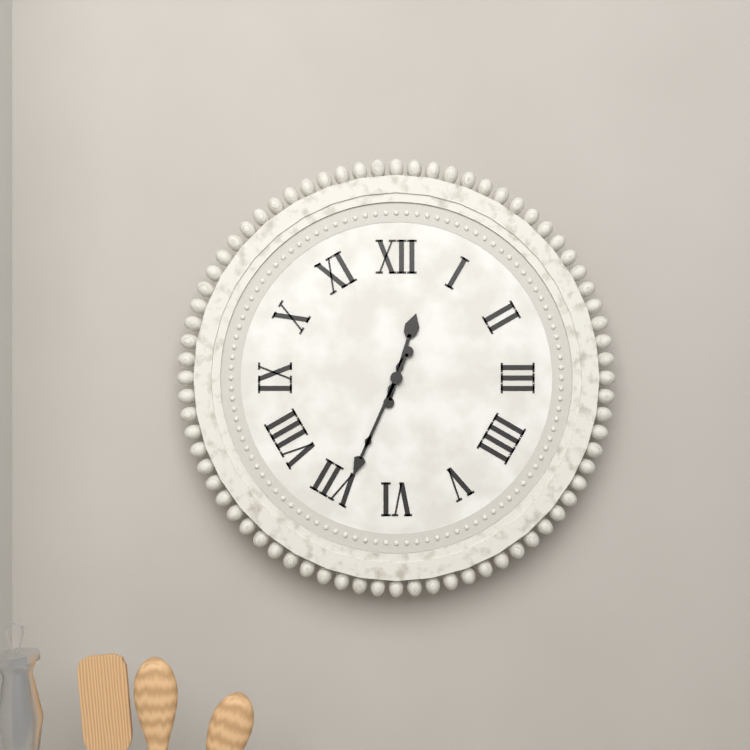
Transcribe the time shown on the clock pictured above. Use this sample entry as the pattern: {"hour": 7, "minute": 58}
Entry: {"hour": 12, "minute": 34}
